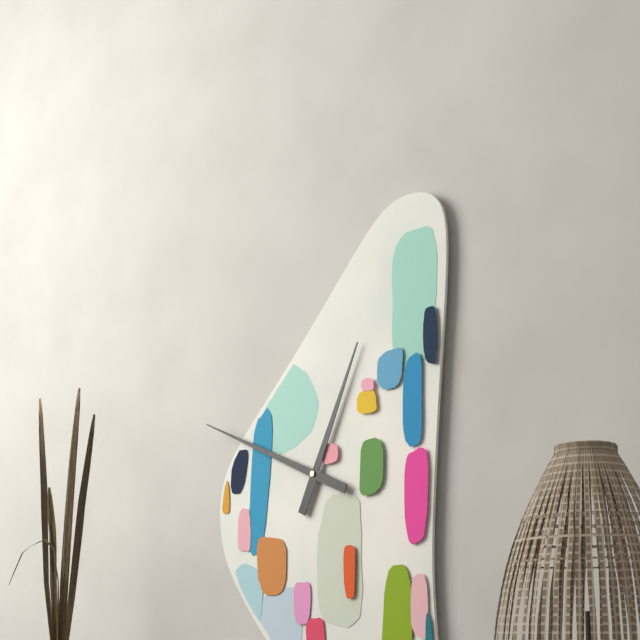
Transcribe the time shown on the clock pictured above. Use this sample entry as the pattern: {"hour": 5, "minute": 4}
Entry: {"hour": 12, "minute": 49}
